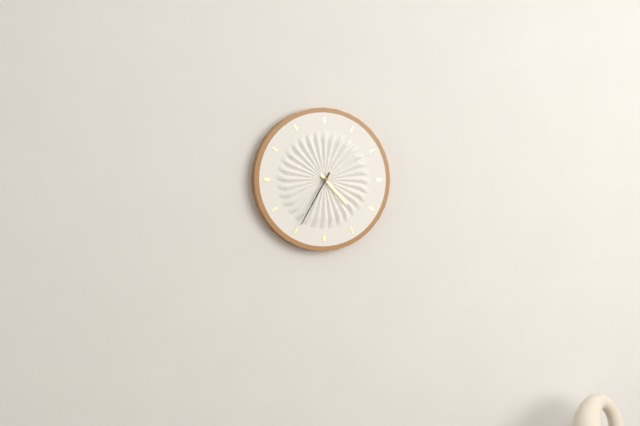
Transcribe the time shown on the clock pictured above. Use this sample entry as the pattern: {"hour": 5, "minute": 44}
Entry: {"hour": 4, "minute": 35}
